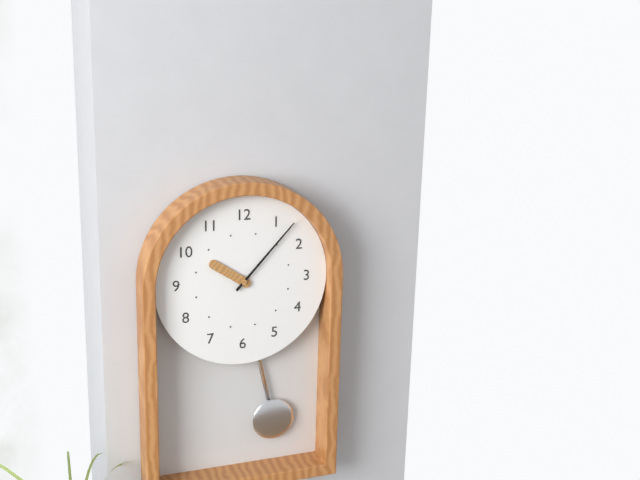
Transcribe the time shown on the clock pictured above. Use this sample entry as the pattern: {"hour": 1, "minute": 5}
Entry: {"hour": 10, "minute": 7}
